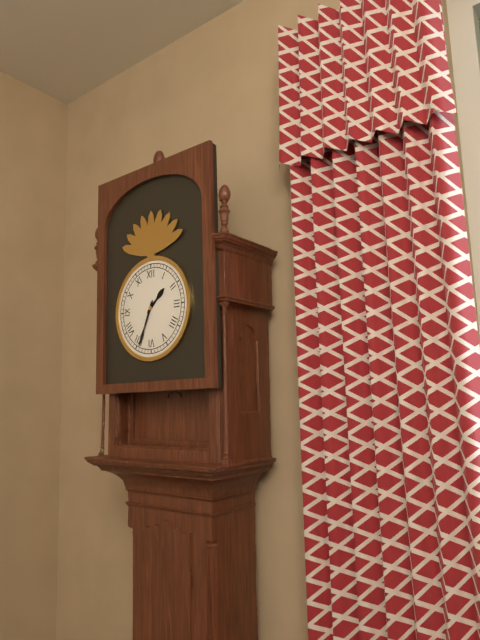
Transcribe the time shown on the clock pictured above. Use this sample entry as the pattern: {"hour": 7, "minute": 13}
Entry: {"hour": 1, "minute": 34}
